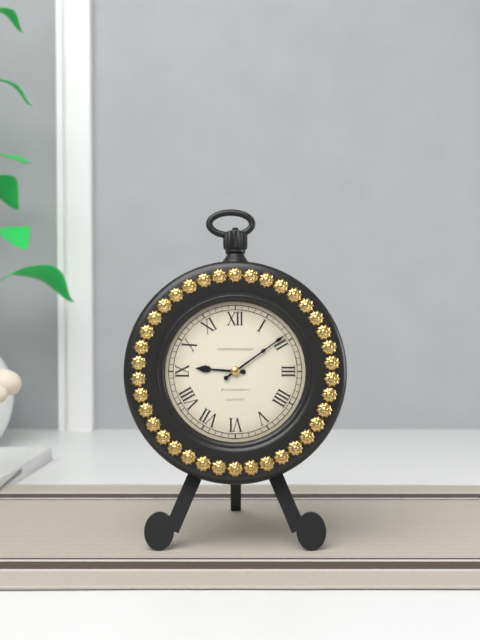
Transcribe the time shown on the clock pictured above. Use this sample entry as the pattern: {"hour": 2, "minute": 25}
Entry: {"hour": 9, "minute": 9}
